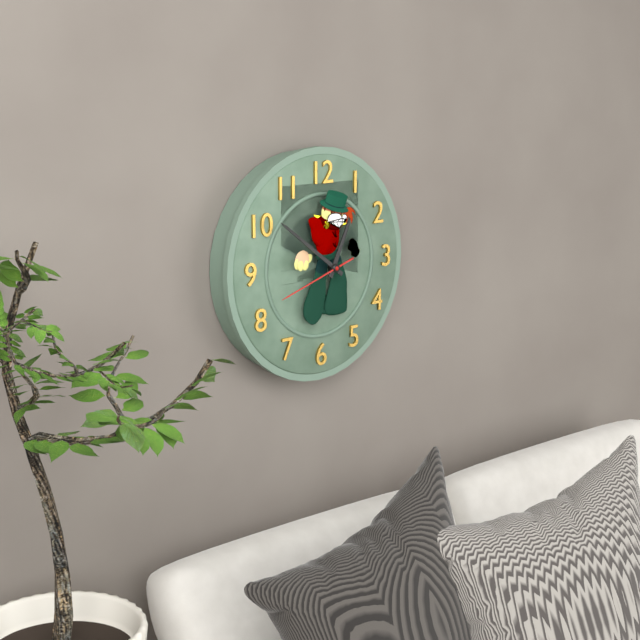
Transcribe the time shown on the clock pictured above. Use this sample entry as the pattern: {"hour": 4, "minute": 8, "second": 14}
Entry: {"hour": 12, "minute": 51, "second": 42}
